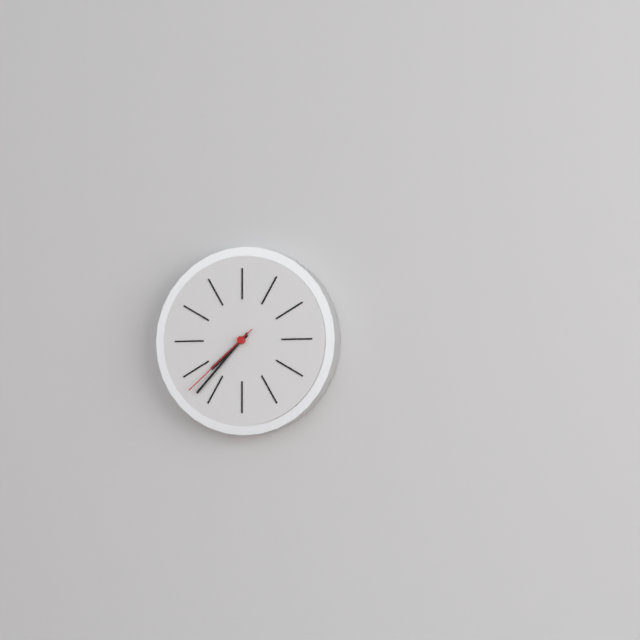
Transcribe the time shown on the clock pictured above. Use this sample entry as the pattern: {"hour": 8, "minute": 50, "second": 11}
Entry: {"hour": 7, "minute": 37, "second": 38}
